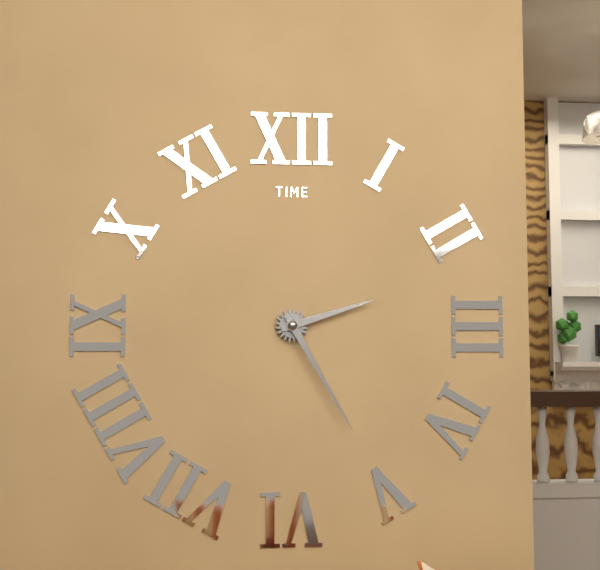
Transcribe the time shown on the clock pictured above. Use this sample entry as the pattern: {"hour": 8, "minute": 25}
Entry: {"hour": 2, "minute": 25}
